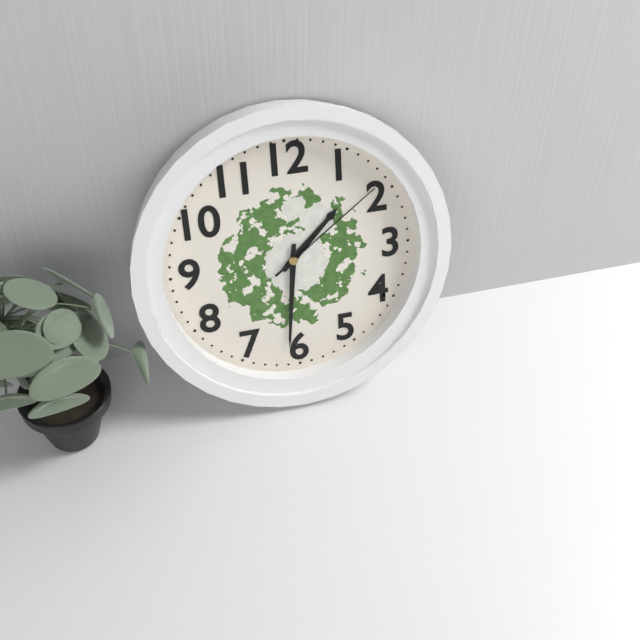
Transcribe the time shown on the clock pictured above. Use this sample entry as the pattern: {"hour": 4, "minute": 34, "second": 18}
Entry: {"hour": 1, "minute": 31, "second": 9}
